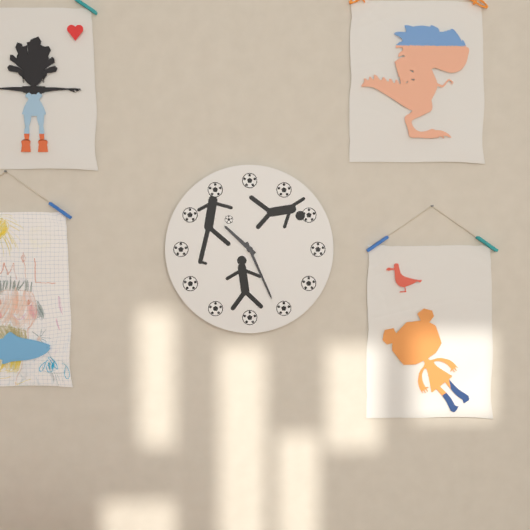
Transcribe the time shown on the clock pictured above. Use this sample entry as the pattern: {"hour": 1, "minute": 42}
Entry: {"hour": 10, "minute": 26}
